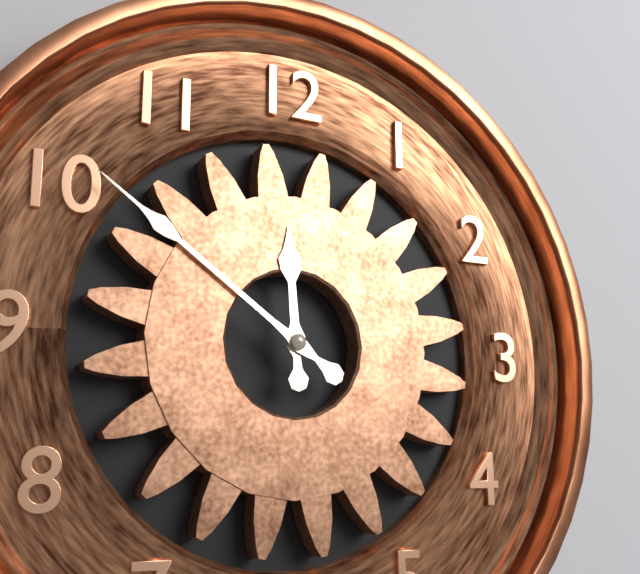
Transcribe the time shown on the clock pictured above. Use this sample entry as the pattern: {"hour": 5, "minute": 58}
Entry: {"hour": 11, "minute": 51}
